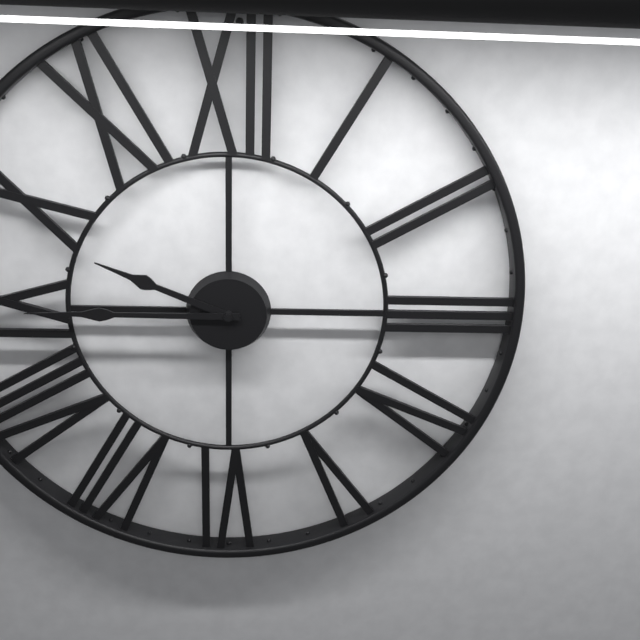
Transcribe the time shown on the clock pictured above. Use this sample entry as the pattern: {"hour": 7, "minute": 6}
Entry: {"hour": 9, "minute": 45}
